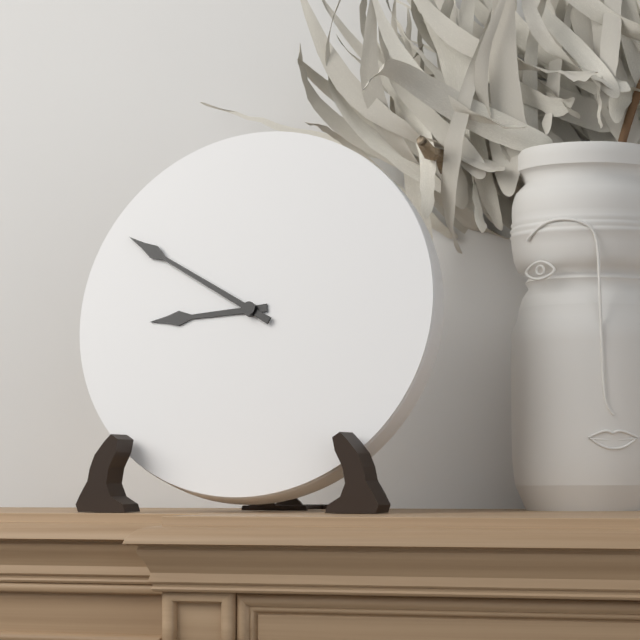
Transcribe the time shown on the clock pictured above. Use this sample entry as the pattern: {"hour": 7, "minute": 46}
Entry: {"hour": 8, "minute": 50}
